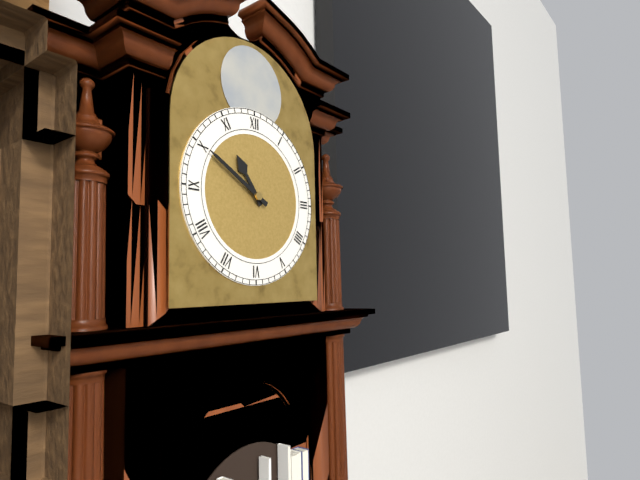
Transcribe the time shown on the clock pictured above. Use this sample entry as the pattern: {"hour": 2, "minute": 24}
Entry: {"hour": 10, "minute": 50}
